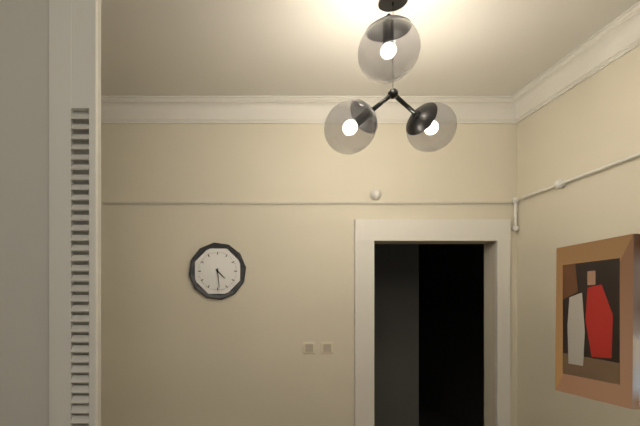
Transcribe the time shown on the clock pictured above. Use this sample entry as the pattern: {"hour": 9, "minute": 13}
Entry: {"hour": 4, "minute": 29}
